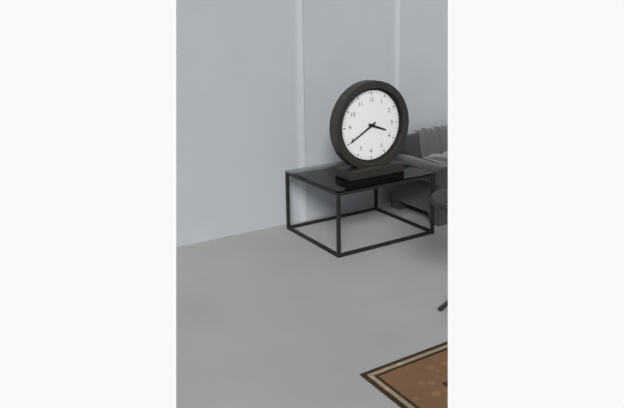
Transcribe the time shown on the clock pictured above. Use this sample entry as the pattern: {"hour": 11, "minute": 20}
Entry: {"hour": 3, "minute": 40}
